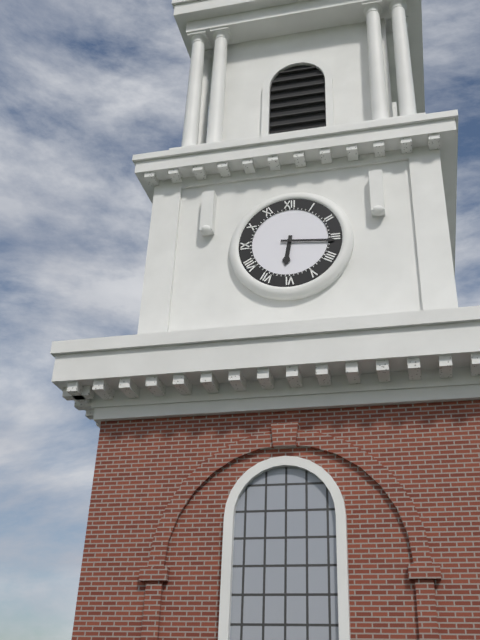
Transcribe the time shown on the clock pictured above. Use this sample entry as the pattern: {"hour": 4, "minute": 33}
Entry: {"hour": 6, "minute": 16}
